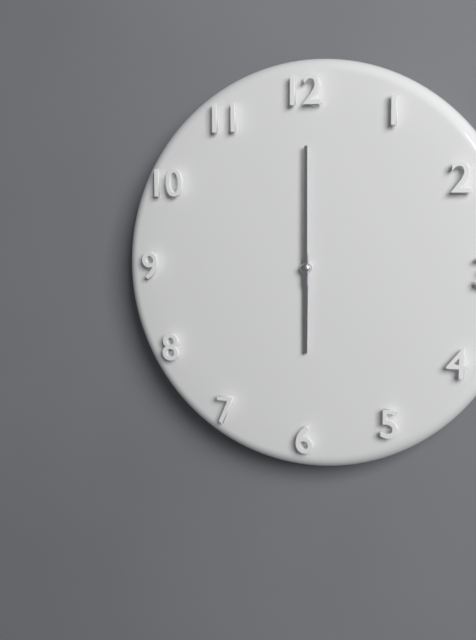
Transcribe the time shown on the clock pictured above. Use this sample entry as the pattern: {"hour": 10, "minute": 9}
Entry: {"hour": 6, "minute": 0}
